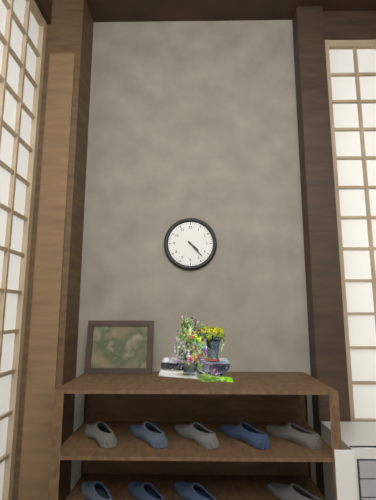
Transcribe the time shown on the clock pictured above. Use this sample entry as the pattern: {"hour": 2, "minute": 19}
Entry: {"hour": 4, "minute": 23}
